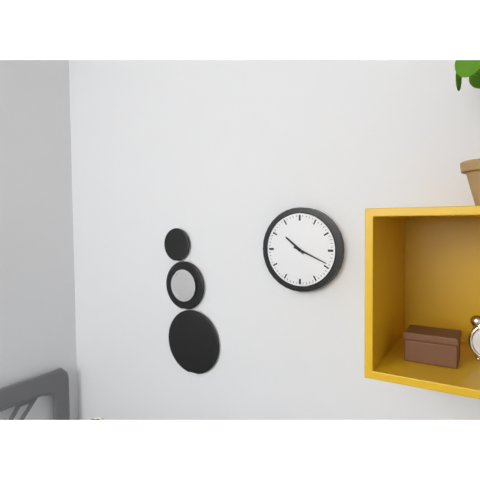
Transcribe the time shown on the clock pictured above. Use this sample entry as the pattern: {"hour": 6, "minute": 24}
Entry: {"hour": 10, "minute": 19}
